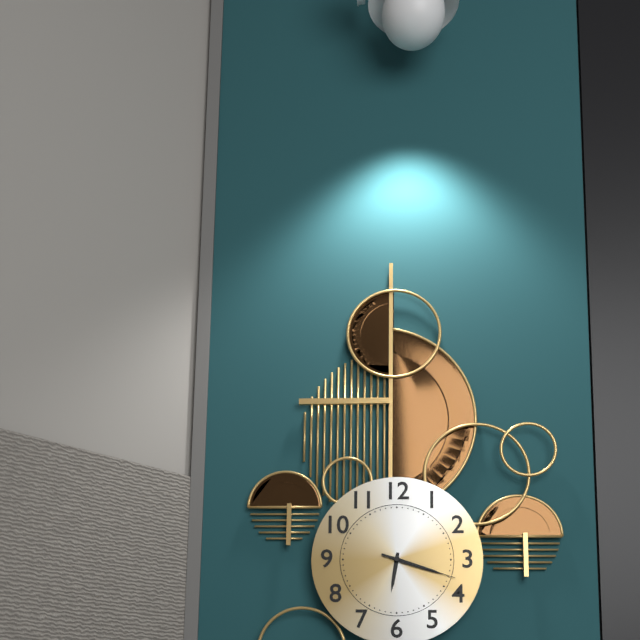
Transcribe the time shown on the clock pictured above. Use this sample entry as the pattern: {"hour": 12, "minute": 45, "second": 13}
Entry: {"hour": 6, "minute": 18, "second": 18}
